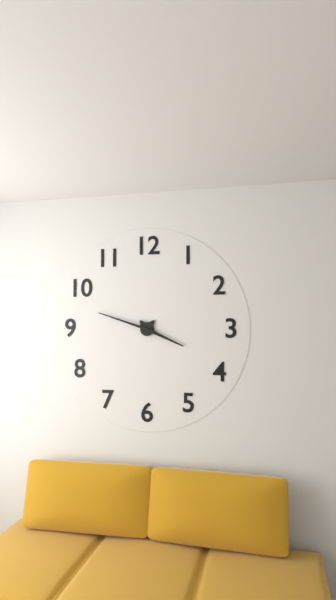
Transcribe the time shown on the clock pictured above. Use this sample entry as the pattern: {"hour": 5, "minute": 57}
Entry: {"hour": 3, "minute": 48}
